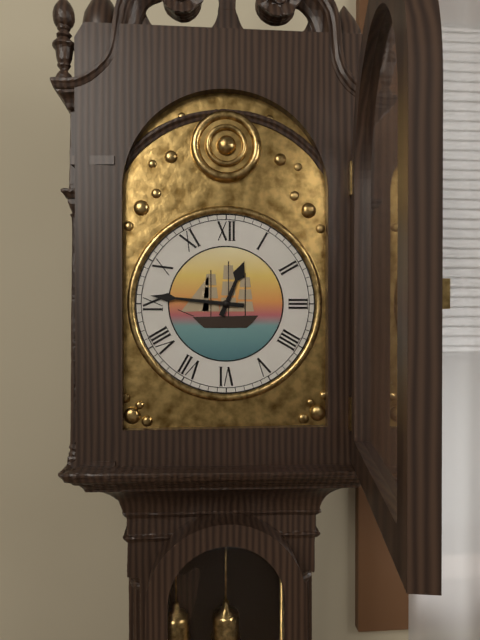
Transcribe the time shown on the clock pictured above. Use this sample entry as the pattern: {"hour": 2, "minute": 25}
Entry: {"hour": 12, "minute": 46}
